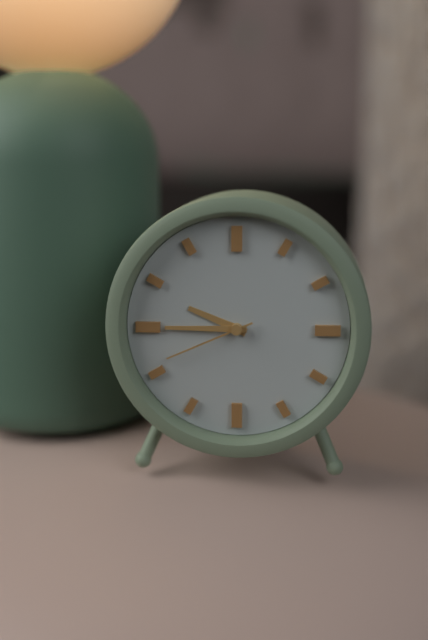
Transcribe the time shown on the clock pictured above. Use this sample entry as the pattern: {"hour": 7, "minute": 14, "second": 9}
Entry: {"hour": 9, "minute": 45, "second": 41}
